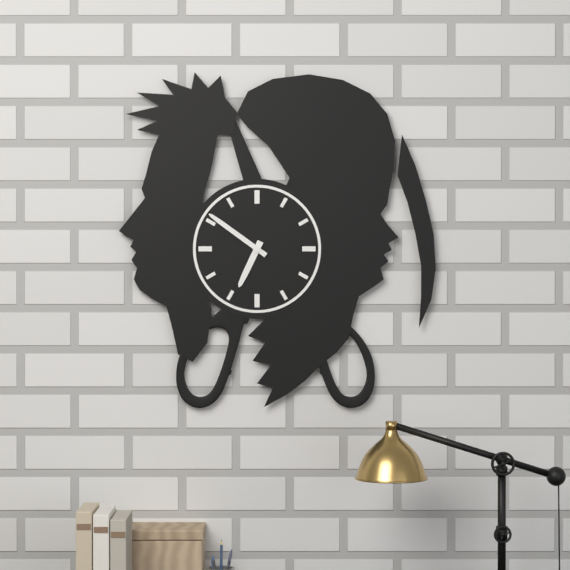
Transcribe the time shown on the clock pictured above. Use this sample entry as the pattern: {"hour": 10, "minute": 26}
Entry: {"hour": 6, "minute": 51}
